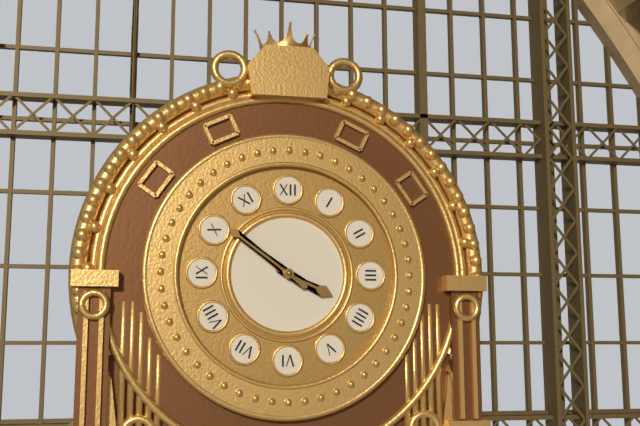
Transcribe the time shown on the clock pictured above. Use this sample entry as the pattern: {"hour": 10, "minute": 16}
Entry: {"hour": 3, "minute": 51}
